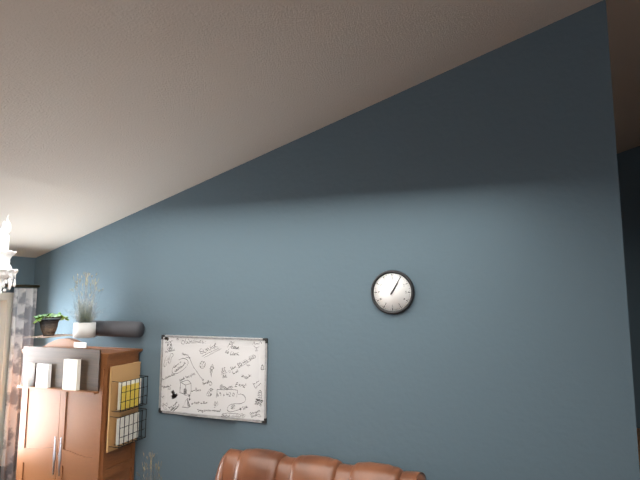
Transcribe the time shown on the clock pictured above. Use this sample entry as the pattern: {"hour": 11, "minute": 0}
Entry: {"hour": 1, "minute": 5}
